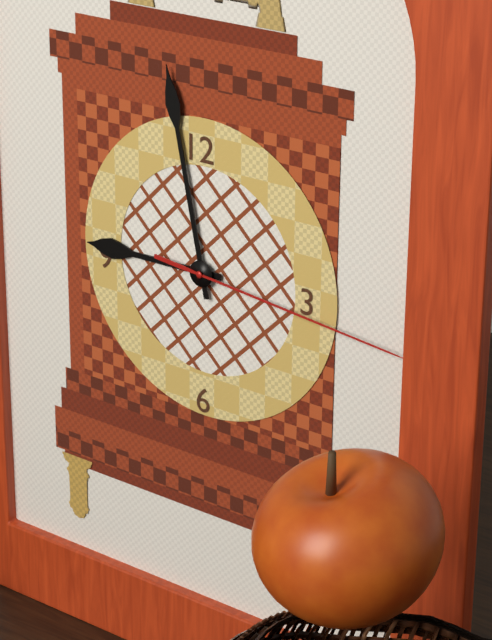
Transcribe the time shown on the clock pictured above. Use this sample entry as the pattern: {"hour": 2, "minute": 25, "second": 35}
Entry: {"hour": 8, "minute": 58, "second": 16}
